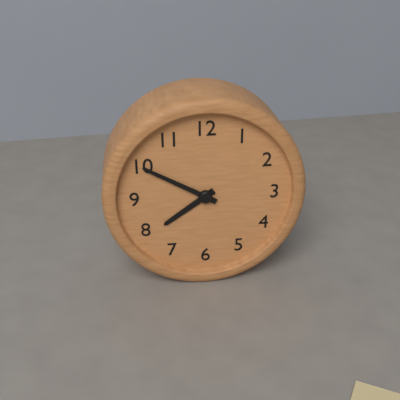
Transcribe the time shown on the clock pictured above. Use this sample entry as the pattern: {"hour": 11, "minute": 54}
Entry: {"hour": 7, "minute": 50}
